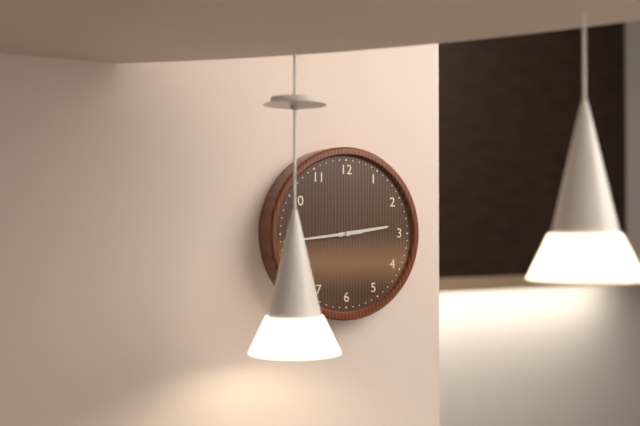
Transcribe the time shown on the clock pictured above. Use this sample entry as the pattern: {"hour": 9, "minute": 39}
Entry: {"hour": 2, "minute": 44}
